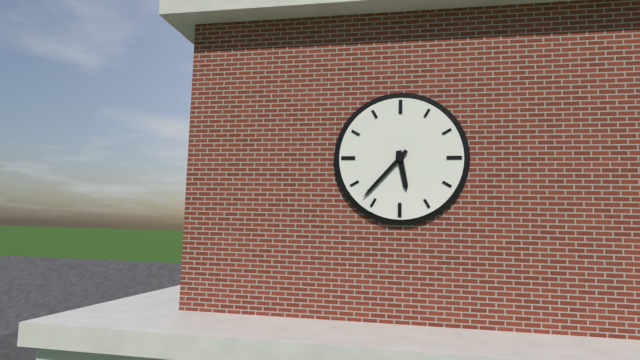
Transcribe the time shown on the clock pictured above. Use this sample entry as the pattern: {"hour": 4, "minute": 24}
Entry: {"hour": 5, "minute": 37}
